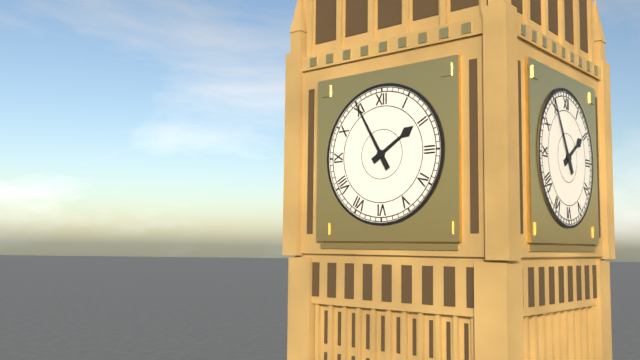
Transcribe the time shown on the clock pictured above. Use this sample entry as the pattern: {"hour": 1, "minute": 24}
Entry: {"hour": 1, "minute": 55}
